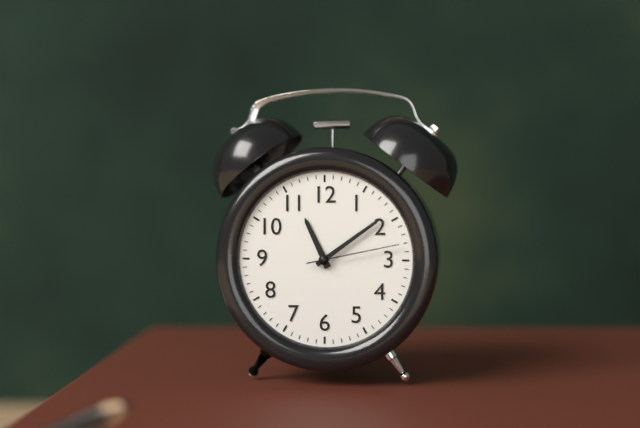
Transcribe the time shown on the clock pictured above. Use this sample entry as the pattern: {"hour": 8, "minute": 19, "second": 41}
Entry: {"hour": 11, "minute": 9, "second": 13}
